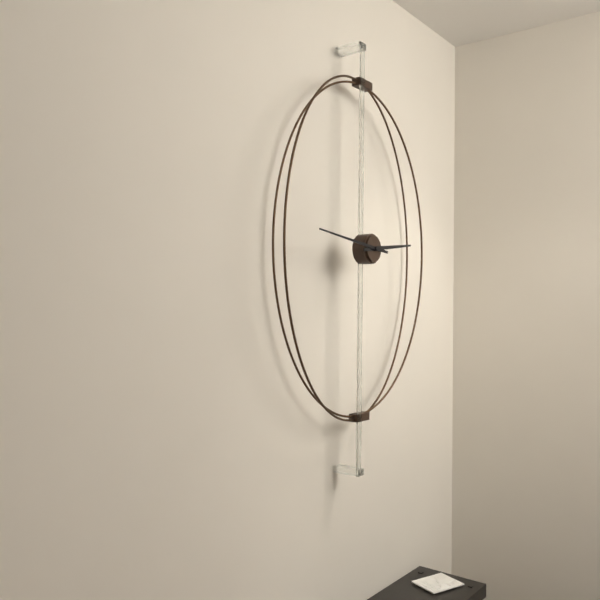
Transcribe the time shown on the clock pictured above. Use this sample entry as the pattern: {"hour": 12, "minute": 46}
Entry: {"hour": 2, "minute": 46}
